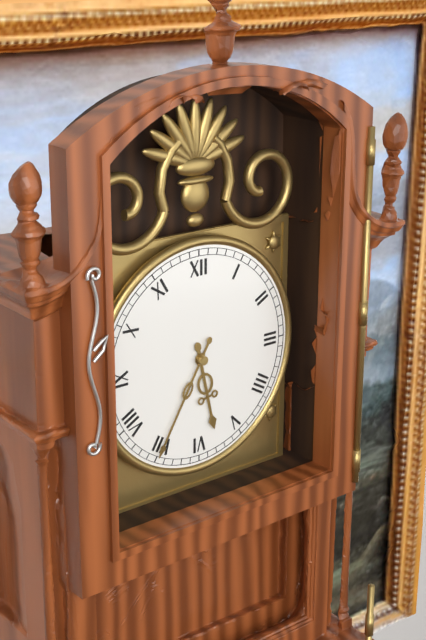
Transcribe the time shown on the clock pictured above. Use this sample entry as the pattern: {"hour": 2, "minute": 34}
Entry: {"hour": 5, "minute": 35}
